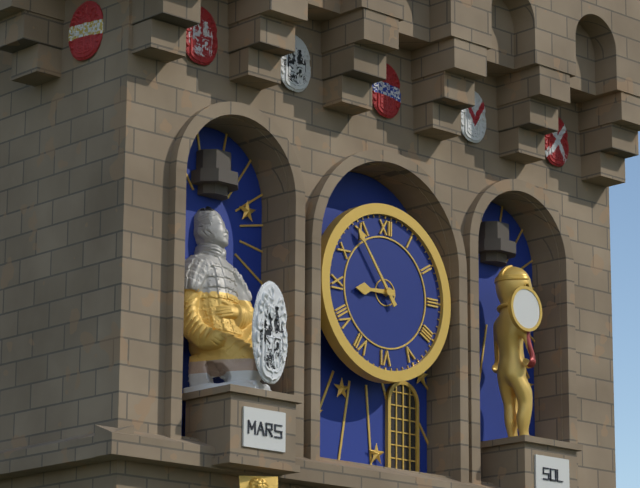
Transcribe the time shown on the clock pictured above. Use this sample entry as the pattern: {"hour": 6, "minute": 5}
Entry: {"hour": 8, "minute": 54}
